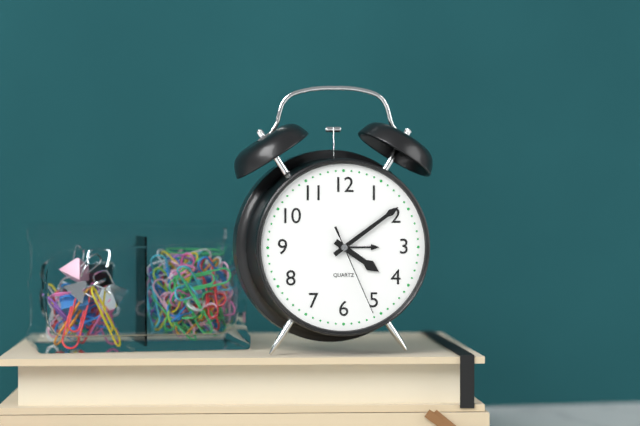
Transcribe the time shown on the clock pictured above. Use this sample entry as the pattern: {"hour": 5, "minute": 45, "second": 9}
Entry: {"hour": 4, "minute": 9, "second": 26}
